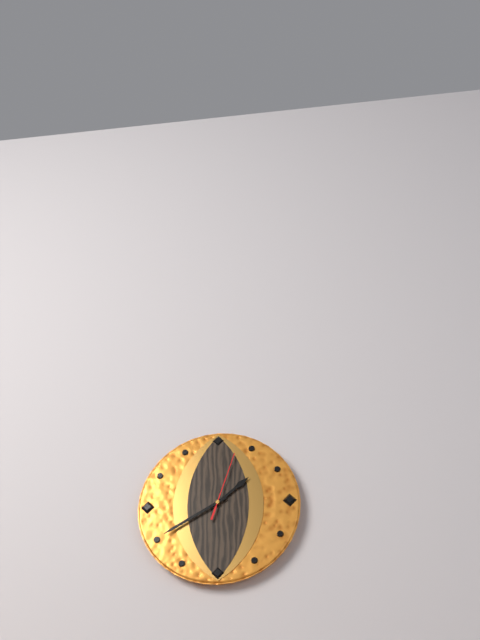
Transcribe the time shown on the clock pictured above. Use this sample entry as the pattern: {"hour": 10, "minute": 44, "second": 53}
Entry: {"hour": 1, "minute": 40, "second": 3}
